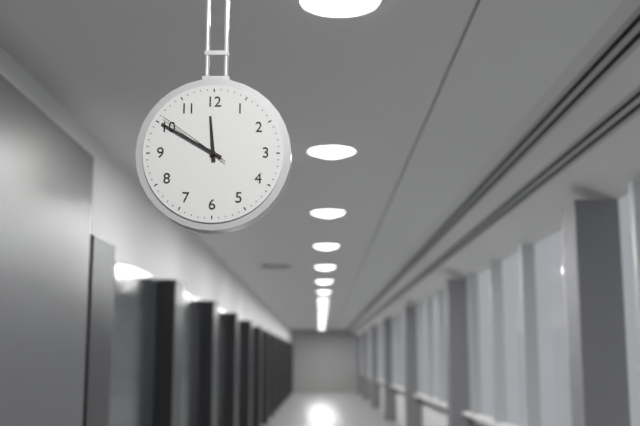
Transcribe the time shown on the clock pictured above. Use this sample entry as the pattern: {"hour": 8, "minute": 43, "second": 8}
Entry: {"hour": 11, "minute": 50, "second": 51}
